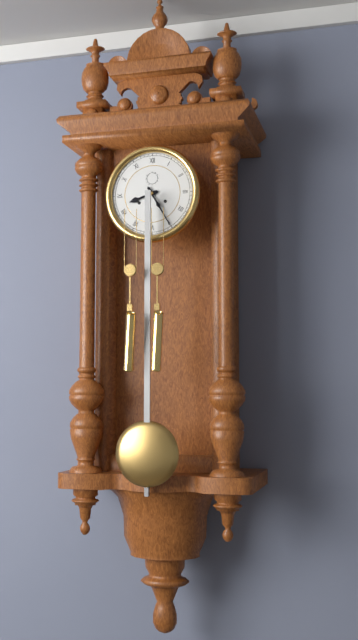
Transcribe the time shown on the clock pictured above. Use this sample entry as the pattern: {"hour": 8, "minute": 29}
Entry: {"hour": 8, "minute": 25}
